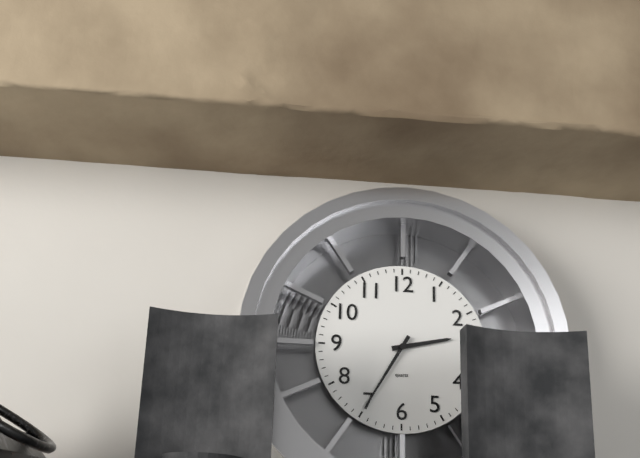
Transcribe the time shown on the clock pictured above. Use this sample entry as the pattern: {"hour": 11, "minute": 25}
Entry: {"hour": 2, "minute": 35}
